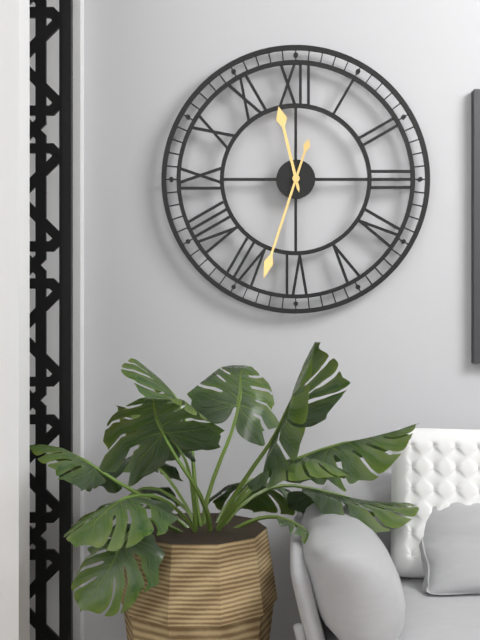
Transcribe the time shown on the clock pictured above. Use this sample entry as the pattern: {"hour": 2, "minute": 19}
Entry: {"hour": 11, "minute": 33}
